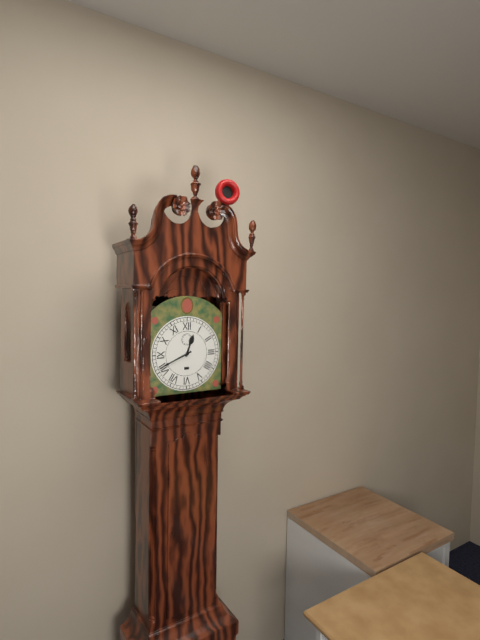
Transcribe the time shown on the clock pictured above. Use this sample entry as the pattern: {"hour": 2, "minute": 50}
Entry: {"hour": 12, "minute": 41}
